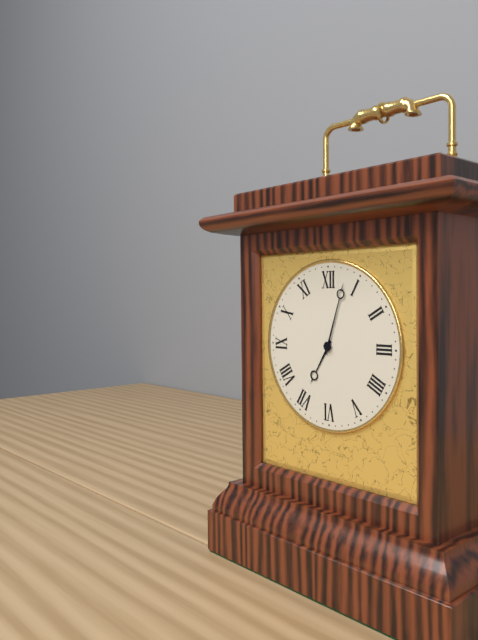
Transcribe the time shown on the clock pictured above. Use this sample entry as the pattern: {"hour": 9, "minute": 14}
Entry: {"hour": 7, "minute": 3}
